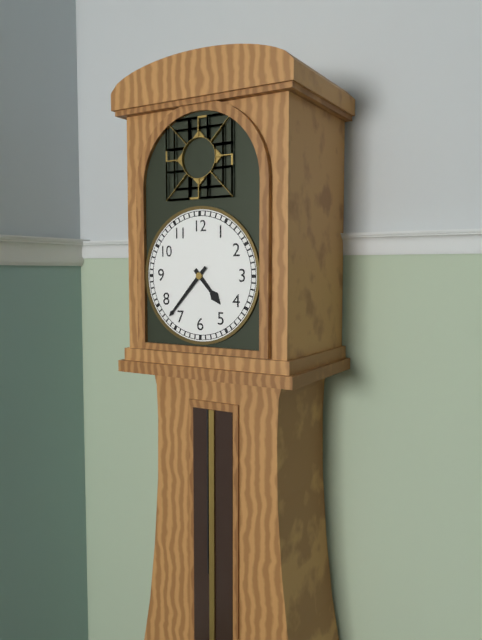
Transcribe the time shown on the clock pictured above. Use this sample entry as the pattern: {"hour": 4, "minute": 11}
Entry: {"hour": 4, "minute": 37}
